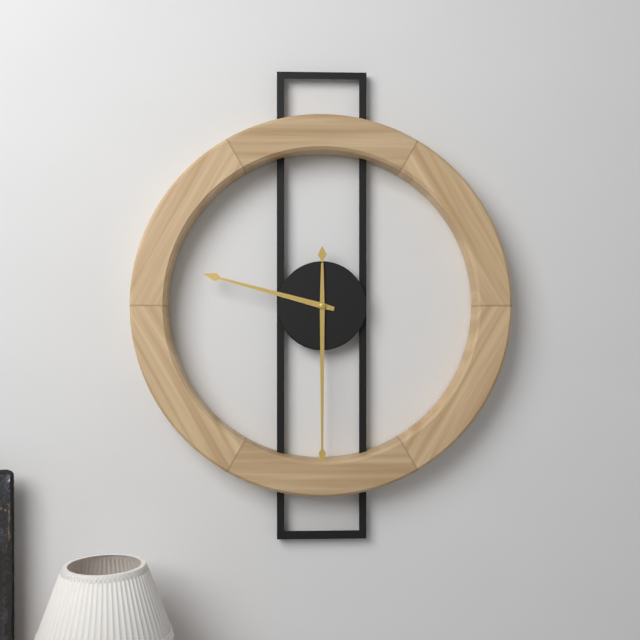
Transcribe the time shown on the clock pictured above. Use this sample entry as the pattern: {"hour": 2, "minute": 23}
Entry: {"hour": 9, "minute": 30}
